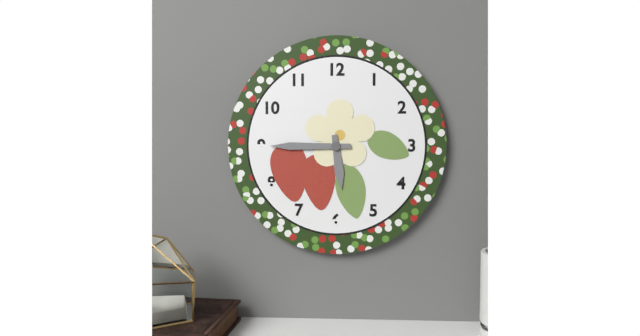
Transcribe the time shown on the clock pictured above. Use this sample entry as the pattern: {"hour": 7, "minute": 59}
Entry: {"hour": 5, "minute": 45}
